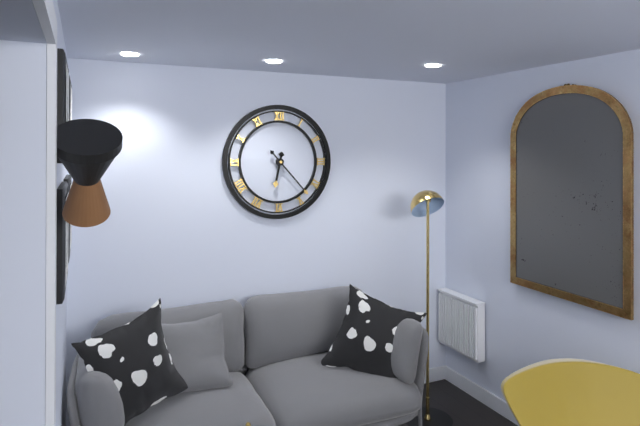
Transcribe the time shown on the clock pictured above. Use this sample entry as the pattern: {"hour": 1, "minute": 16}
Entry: {"hour": 6, "minute": 23}
